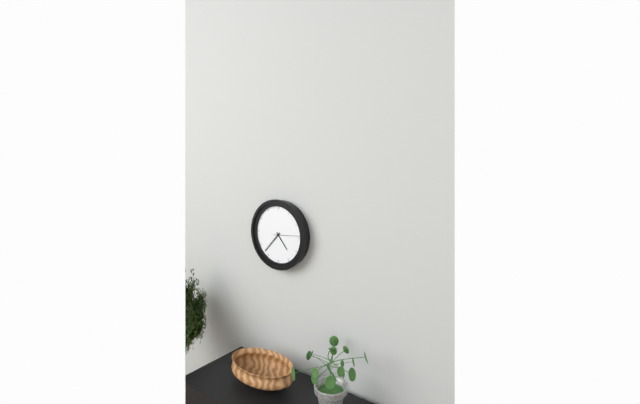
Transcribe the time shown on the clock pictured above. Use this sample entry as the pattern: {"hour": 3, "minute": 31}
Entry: {"hour": 4, "minute": 37}
